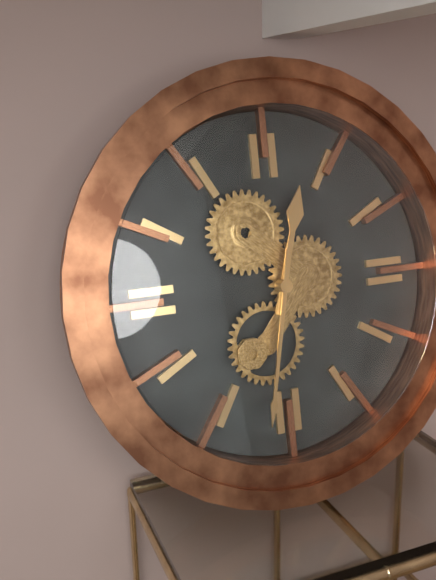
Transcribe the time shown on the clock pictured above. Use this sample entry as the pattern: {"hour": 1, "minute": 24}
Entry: {"hour": 12, "minute": 32}
